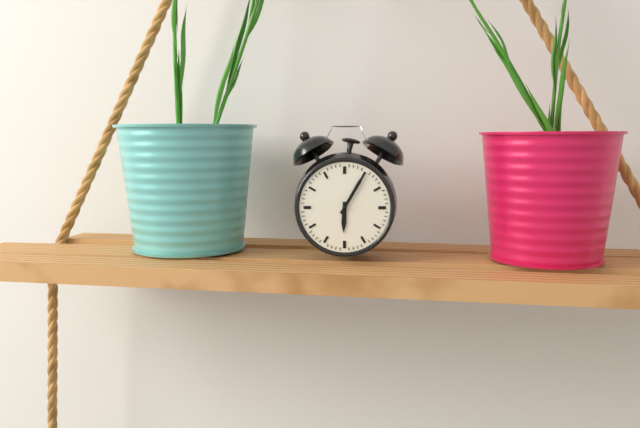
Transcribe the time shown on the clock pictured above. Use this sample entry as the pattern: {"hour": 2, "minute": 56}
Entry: {"hour": 6, "minute": 5}
